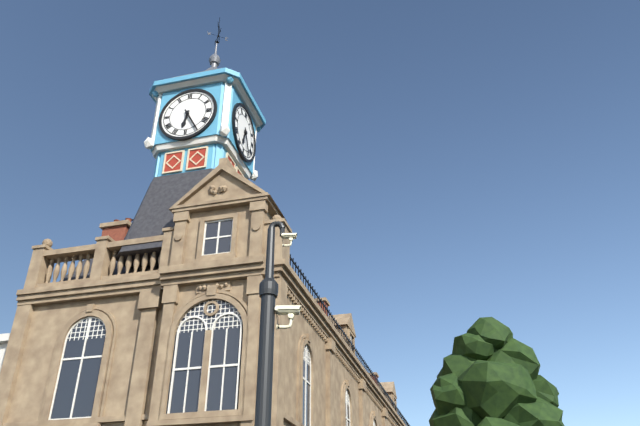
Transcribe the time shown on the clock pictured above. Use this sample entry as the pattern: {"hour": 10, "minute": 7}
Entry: {"hour": 6, "minute": 25}
